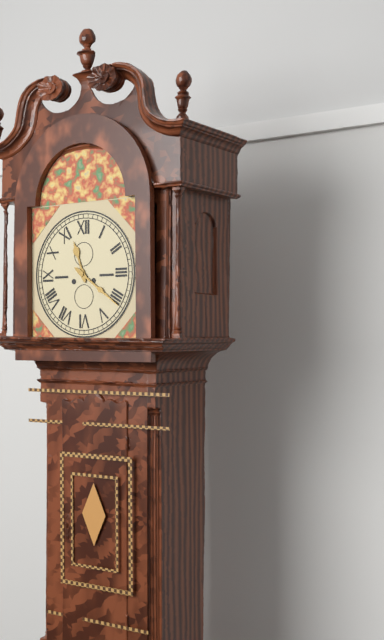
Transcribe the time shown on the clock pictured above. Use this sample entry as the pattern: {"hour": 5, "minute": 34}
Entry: {"hour": 11, "minute": 21}
